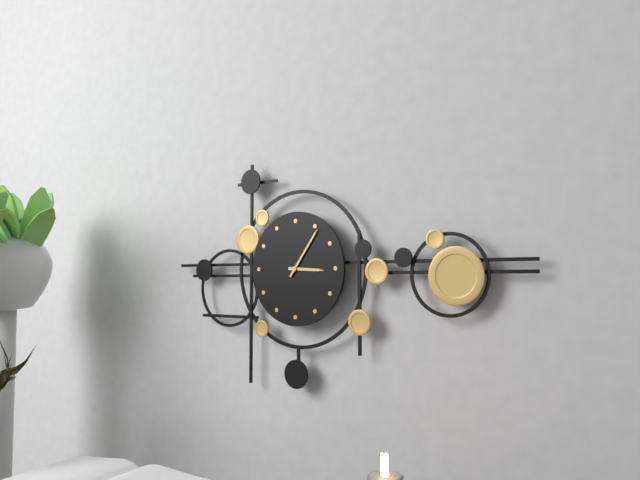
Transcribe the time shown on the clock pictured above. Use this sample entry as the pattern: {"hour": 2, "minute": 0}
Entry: {"hour": 3, "minute": 6}
